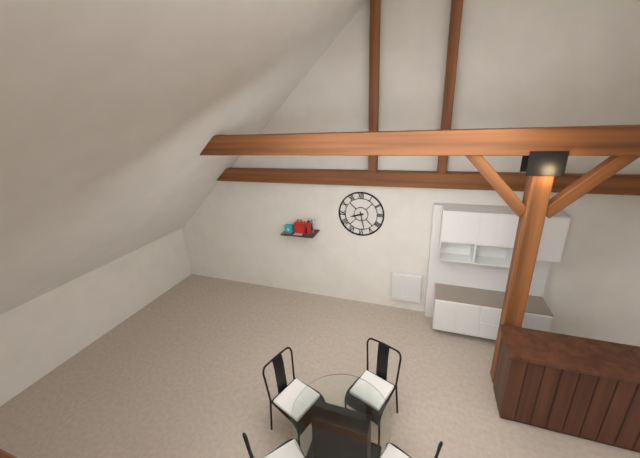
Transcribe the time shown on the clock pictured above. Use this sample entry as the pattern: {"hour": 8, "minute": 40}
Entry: {"hour": 8, "minute": 28}
